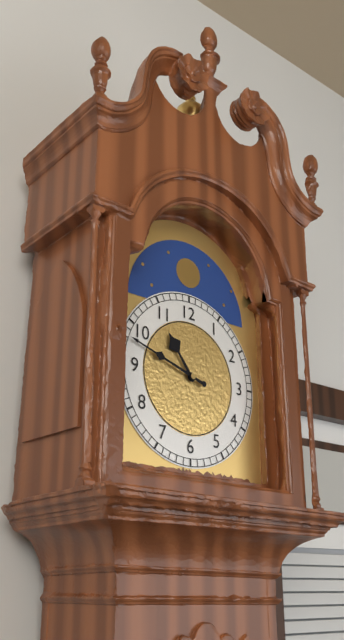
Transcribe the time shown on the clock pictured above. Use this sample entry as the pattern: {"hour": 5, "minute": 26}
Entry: {"hour": 10, "minute": 48}
